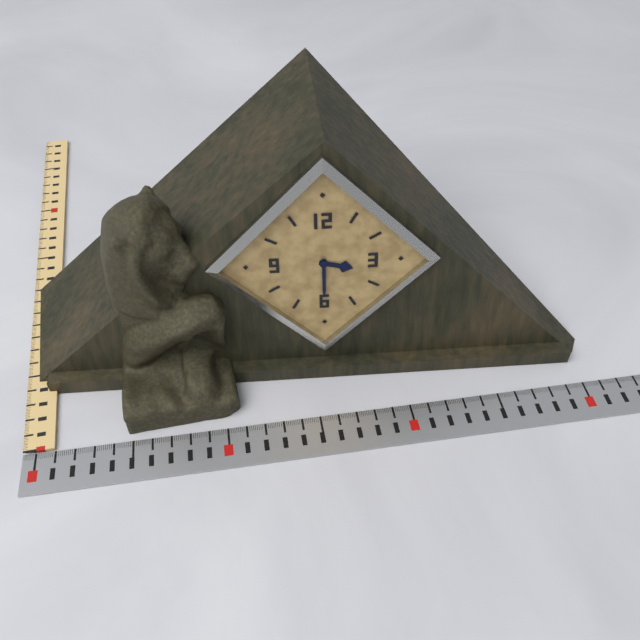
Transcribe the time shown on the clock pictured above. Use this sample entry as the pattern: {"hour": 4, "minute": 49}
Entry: {"hour": 3, "minute": 30}
